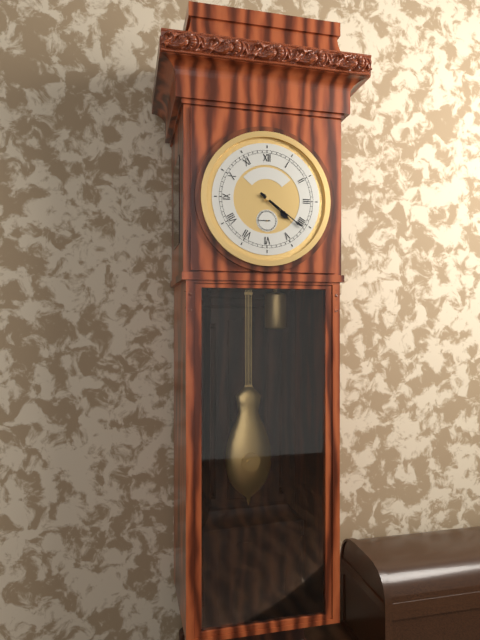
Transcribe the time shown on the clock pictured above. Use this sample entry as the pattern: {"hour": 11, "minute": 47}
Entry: {"hour": 4, "minute": 21}
